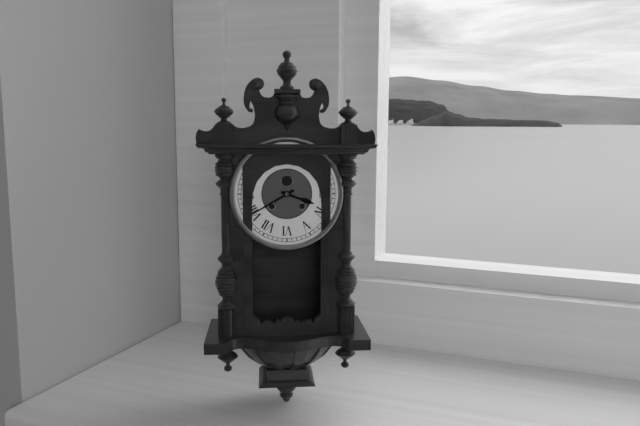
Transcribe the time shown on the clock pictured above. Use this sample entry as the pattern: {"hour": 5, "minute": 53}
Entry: {"hour": 3, "minute": 40}
